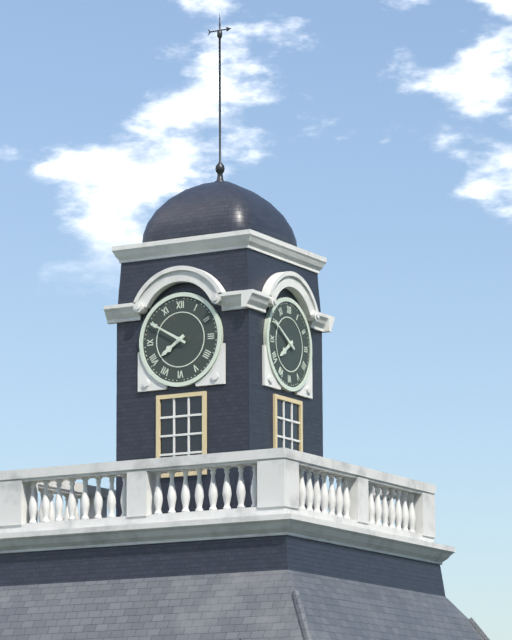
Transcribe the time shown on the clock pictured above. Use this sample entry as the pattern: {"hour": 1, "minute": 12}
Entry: {"hour": 7, "minute": 50}
